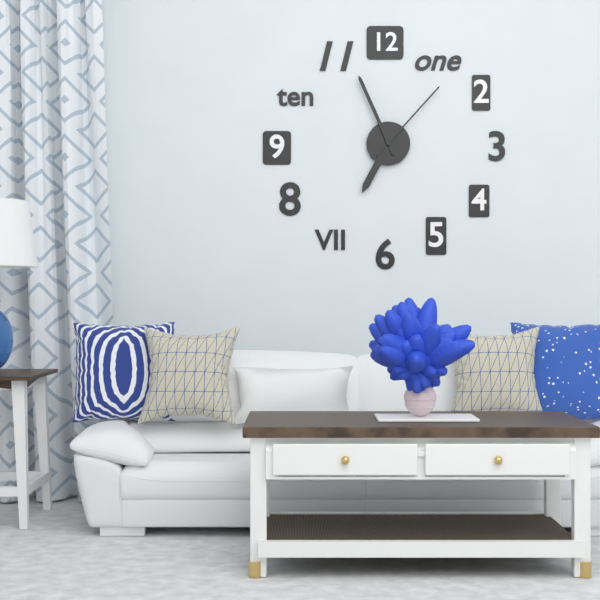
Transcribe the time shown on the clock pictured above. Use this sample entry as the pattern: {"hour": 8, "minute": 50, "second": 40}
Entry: {"hour": 6, "minute": 56, "second": 7}
